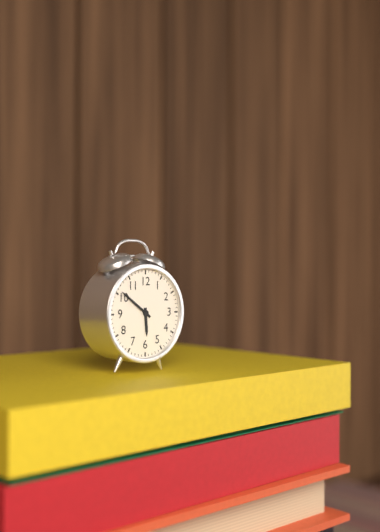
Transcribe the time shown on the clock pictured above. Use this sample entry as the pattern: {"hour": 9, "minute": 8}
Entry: {"hour": 5, "minute": 51}
